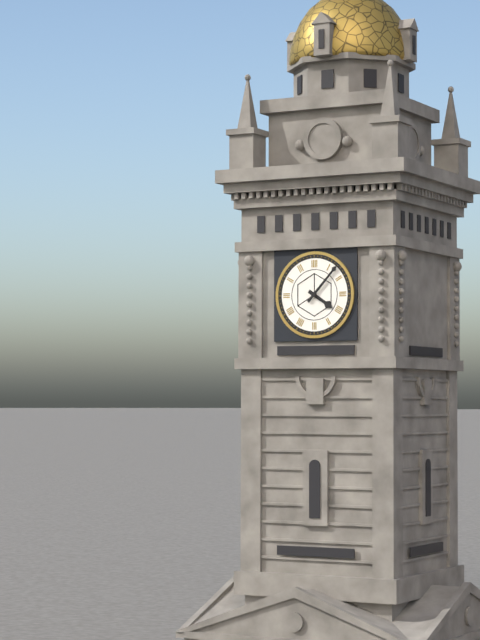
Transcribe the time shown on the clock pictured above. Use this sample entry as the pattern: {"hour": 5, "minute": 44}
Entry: {"hour": 4, "minute": 7}
